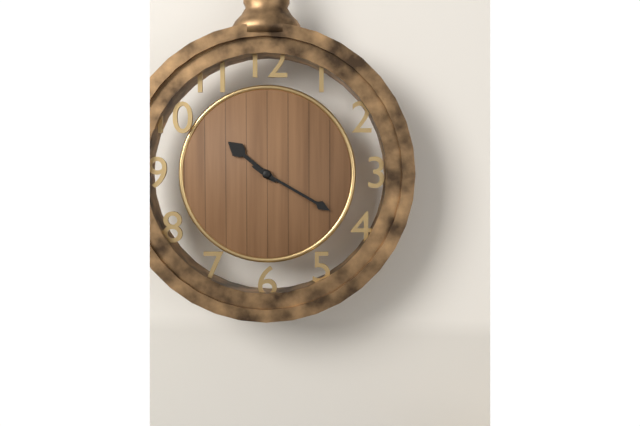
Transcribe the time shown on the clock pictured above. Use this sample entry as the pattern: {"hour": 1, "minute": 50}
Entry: {"hour": 10, "minute": 20}
